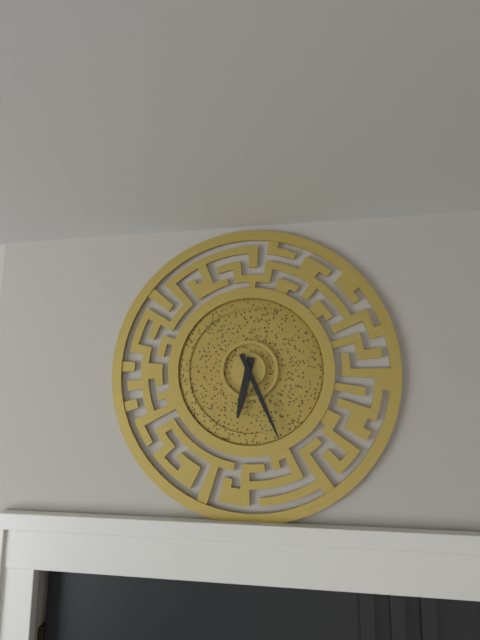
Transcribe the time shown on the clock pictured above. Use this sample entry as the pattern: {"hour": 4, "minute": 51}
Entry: {"hour": 6, "minute": 26}
